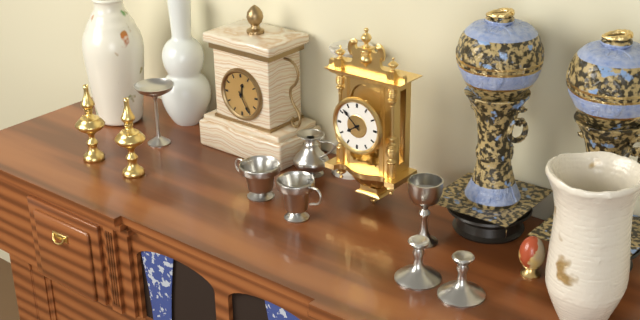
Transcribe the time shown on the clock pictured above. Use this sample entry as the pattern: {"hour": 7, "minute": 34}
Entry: {"hour": 7, "minute": 52}
